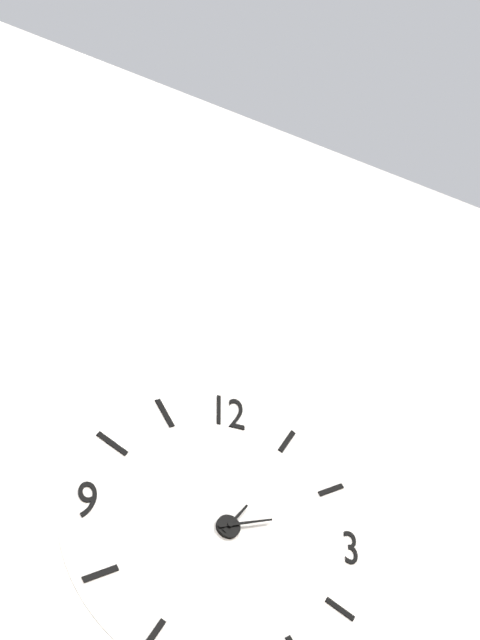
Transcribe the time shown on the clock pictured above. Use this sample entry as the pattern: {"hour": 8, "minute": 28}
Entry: {"hour": 1, "minute": 12}
